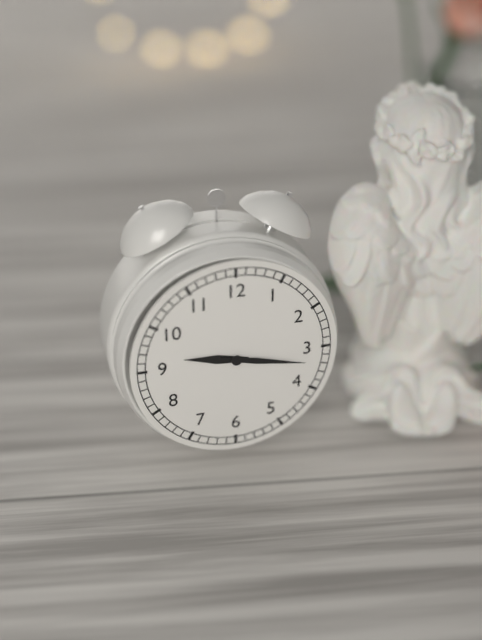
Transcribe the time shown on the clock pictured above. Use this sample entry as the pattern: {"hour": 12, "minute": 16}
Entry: {"hour": 9, "minute": 17}
